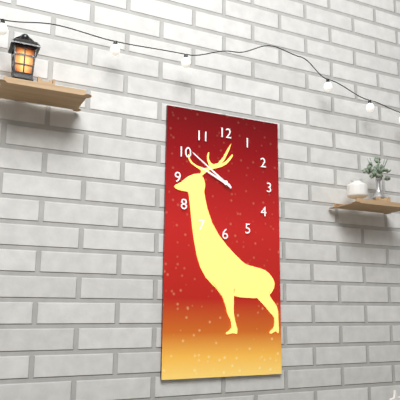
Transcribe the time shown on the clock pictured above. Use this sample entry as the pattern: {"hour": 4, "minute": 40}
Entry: {"hour": 9, "minute": 51}
